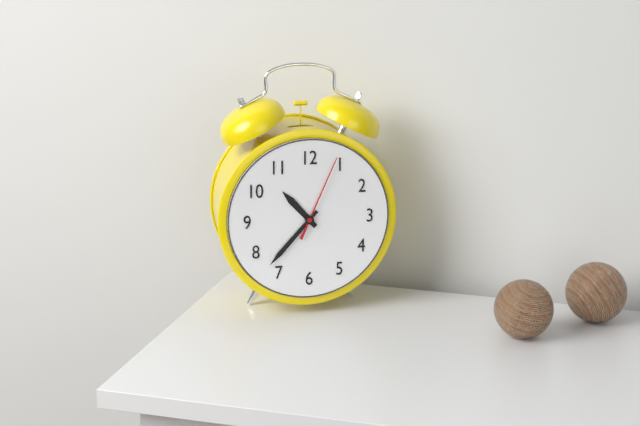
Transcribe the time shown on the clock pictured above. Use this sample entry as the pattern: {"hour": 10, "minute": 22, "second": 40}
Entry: {"hour": 10, "minute": 37, "second": 4}
